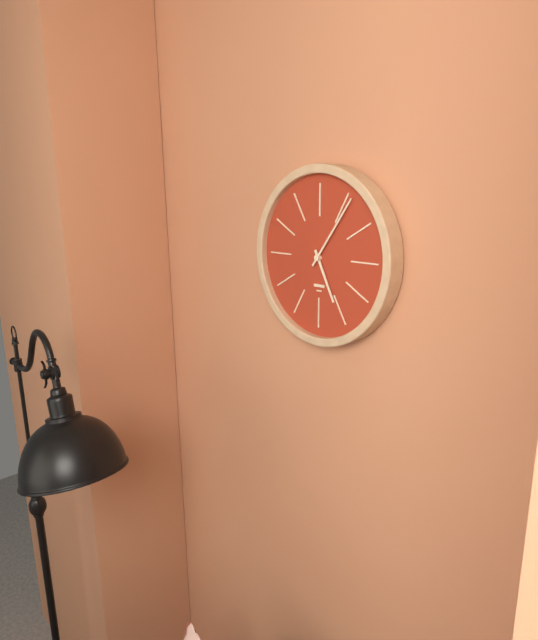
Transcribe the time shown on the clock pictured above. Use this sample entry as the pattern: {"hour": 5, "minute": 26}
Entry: {"hour": 5, "minute": 6}
